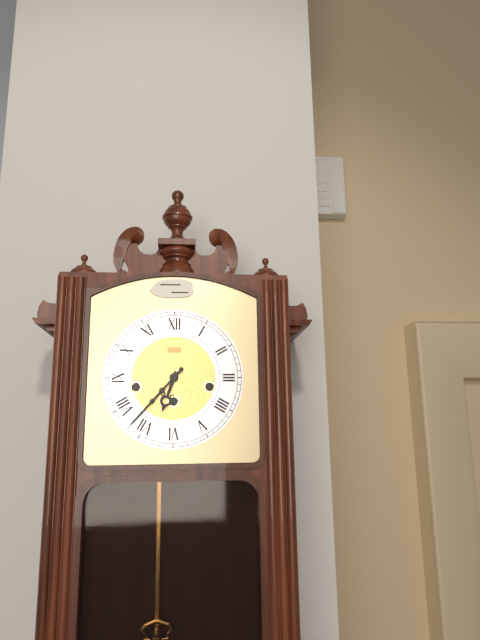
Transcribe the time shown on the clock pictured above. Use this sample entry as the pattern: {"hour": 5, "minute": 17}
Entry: {"hour": 6, "minute": 37}
